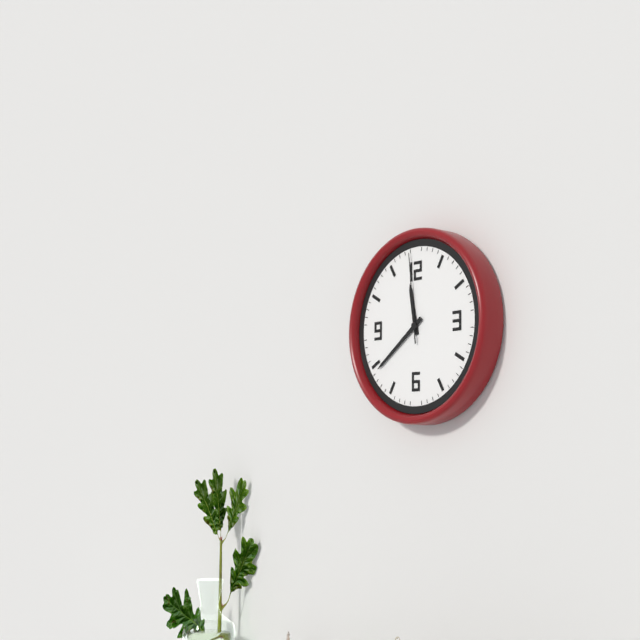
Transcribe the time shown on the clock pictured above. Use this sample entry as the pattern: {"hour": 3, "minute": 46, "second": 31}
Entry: {"hour": 11, "minute": 39, "second": 59}
